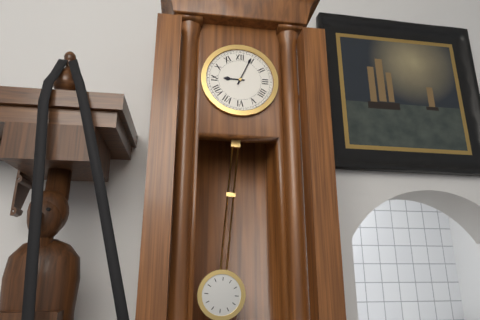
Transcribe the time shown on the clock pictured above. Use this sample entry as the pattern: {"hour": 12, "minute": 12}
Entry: {"hour": 9, "minute": 4}
